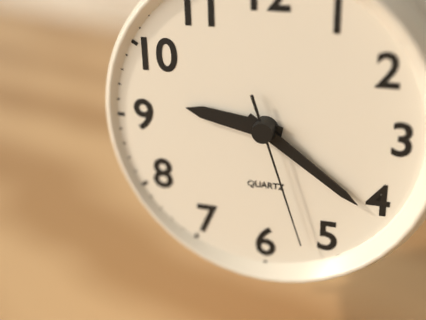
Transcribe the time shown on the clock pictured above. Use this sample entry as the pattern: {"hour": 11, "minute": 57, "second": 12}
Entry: {"hour": 9, "minute": 21, "second": 27}
